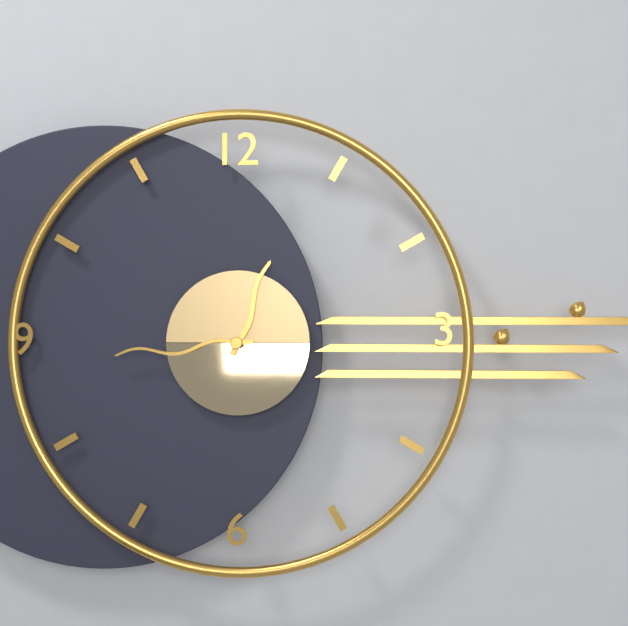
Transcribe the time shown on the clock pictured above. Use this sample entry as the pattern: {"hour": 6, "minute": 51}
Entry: {"hour": 12, "minute": 44}
